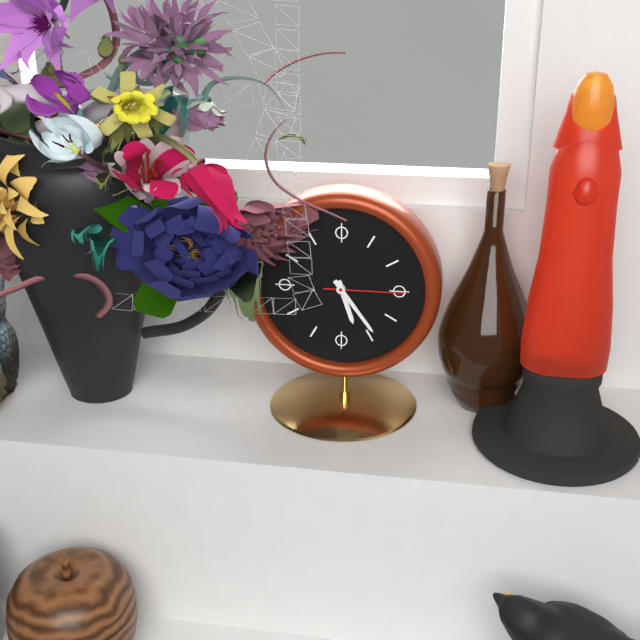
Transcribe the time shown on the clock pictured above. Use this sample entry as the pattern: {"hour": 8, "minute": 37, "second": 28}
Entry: {"hour": 5, "minute": 24, "second": 15}
